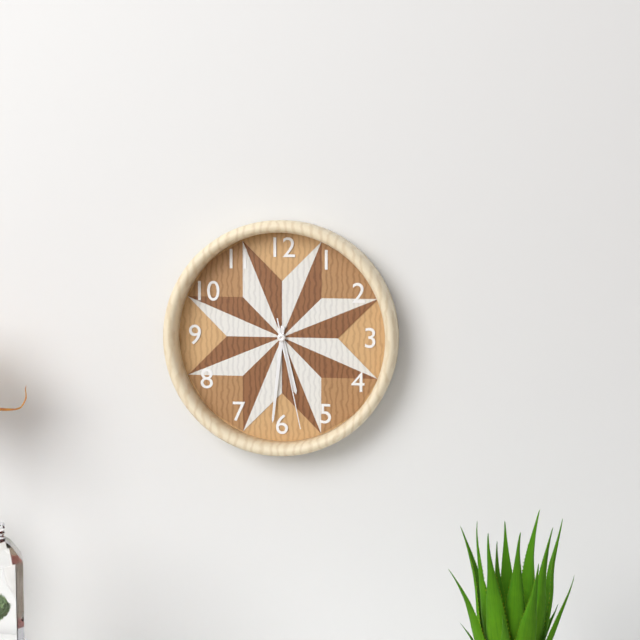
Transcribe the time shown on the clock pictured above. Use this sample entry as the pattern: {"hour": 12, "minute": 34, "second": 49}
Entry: {"hour": 5, "minute": 31, "second": 28}
